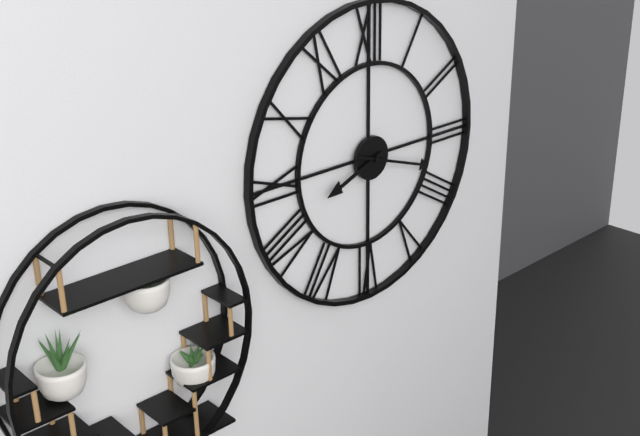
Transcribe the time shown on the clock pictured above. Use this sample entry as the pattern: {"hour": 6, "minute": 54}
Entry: {"hour": 8, "minute": 18}
